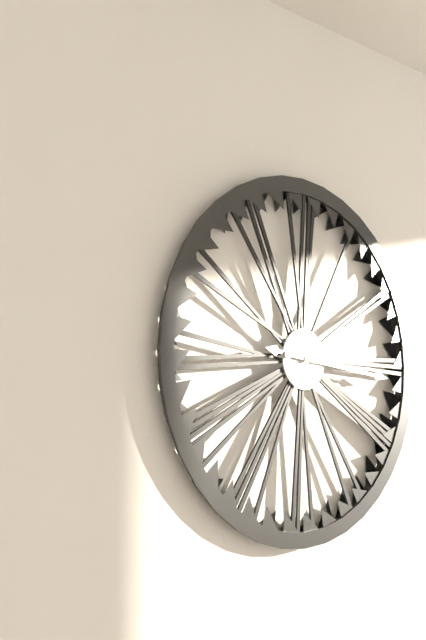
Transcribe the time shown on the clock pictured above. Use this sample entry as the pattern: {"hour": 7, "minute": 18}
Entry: {"hour": 9, "minute": 16}
